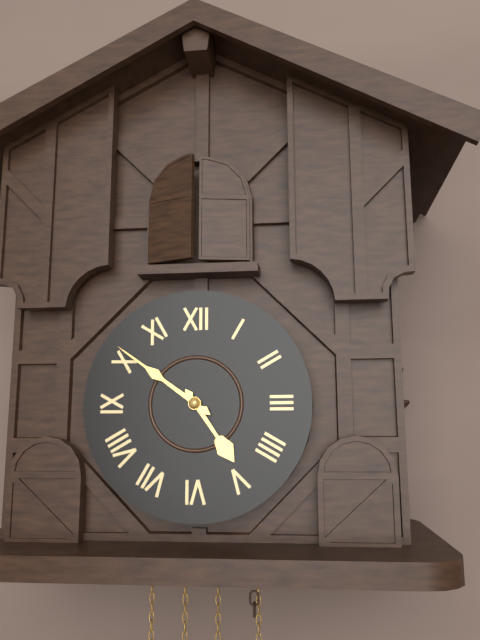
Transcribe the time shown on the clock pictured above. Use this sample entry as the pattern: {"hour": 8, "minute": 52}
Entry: {"hour": 4, "minute": 51}
